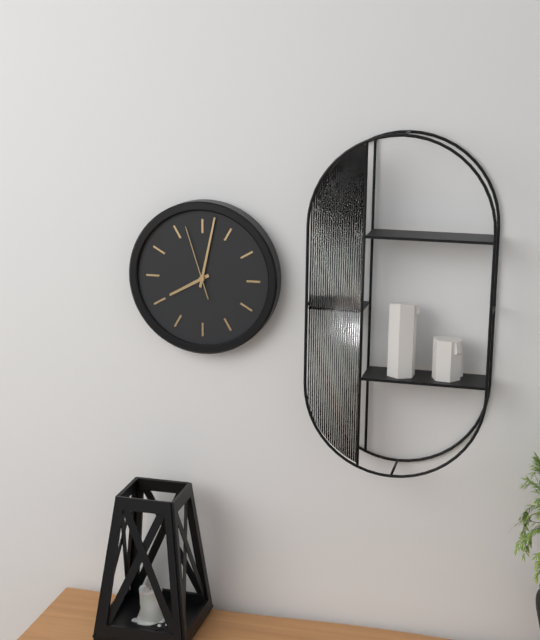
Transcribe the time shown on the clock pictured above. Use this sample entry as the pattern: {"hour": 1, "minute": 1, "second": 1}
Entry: {"hour": 8, "minute": 2, "second": 57}
